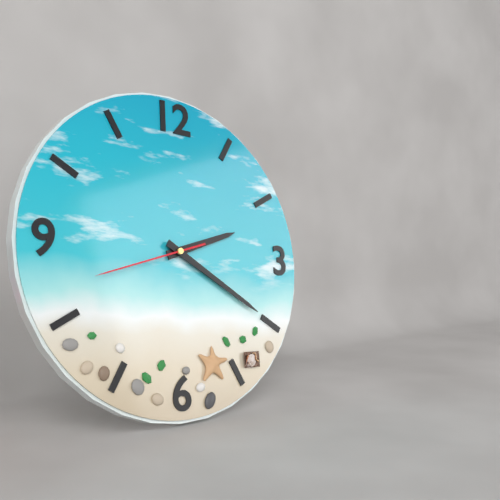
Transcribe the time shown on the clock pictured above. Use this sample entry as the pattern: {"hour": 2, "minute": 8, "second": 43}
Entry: {"hour": 2, "minute": 20, "second": 42}
